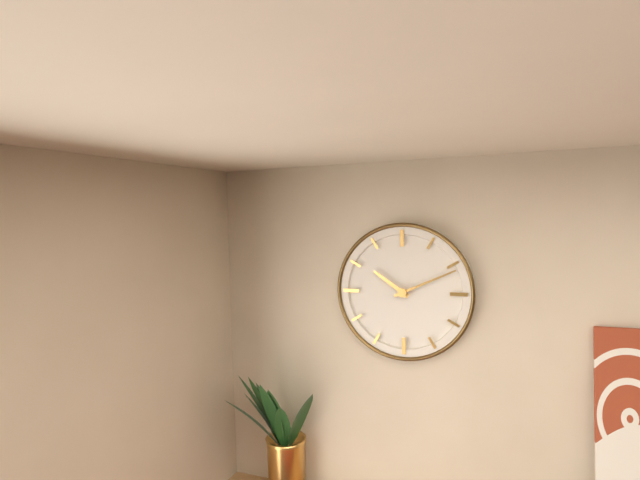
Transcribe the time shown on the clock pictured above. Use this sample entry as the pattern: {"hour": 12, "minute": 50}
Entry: {"hour": 10, "minute": 11}
